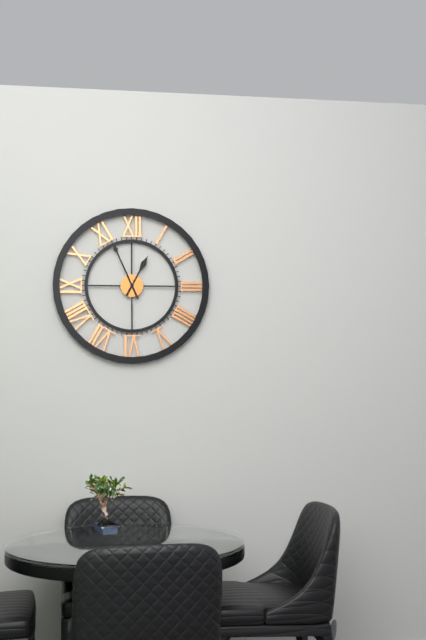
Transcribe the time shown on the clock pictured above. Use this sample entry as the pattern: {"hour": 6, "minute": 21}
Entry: {"hour": 12, "minute": 56}
